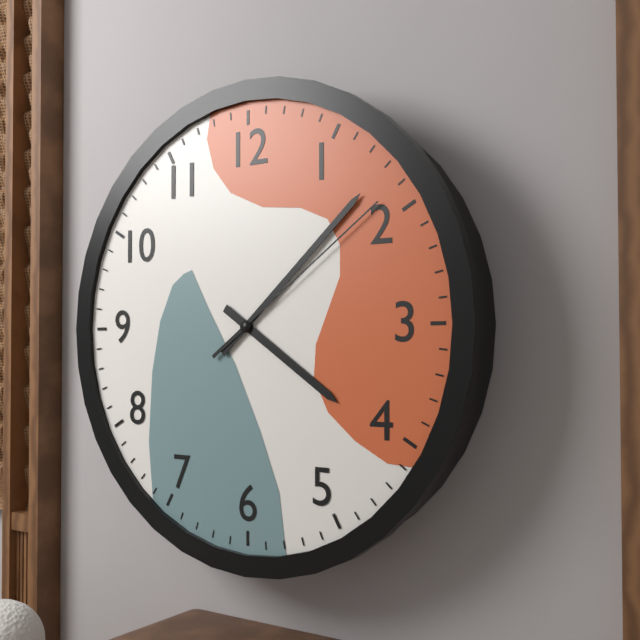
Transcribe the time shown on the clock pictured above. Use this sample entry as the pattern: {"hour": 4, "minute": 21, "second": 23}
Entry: {"hour": 4, "minute": 8, "second": 9}
